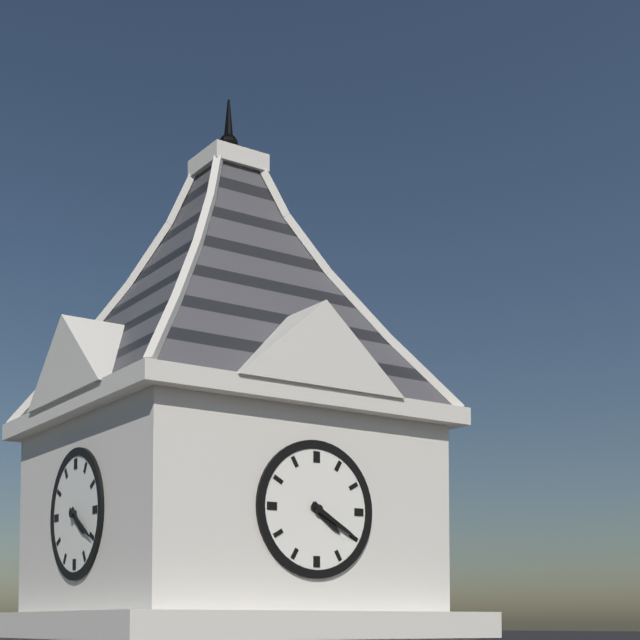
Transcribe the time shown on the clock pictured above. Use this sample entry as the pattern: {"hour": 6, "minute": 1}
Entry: {"hour": 4, "minute": 20}
